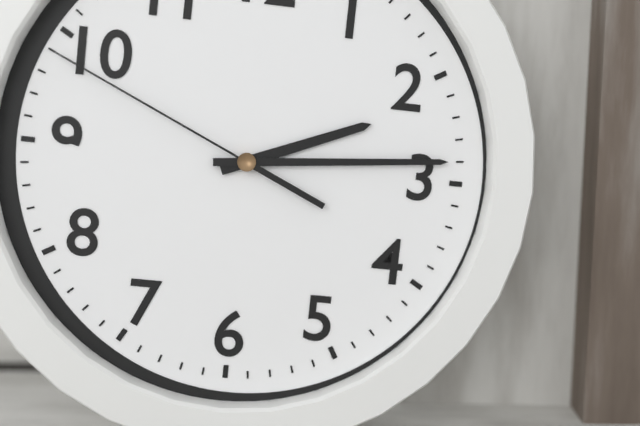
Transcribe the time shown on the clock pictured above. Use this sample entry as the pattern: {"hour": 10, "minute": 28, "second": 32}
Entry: {"hour": 2, "minute": 14, "second": 49}
